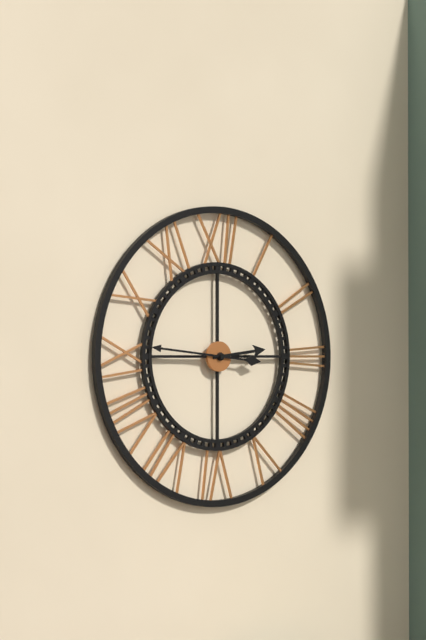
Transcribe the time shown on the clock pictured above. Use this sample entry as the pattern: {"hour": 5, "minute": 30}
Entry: {"hour": 2, "minute": 46}
